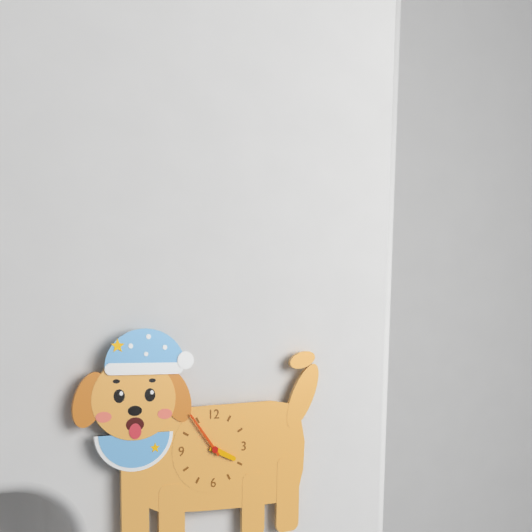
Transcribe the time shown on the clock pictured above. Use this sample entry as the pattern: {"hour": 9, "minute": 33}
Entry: {"hour": 3, "minute": 54}
